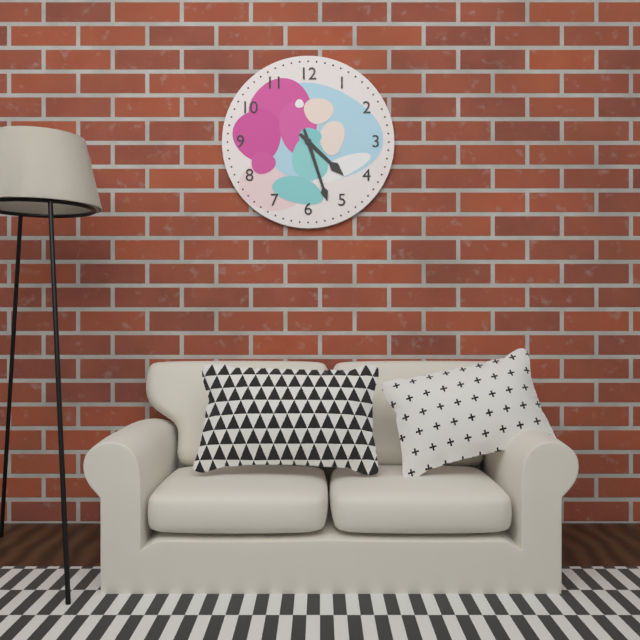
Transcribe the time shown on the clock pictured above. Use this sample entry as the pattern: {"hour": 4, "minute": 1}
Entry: {"hour": 4, "minute": 27}
